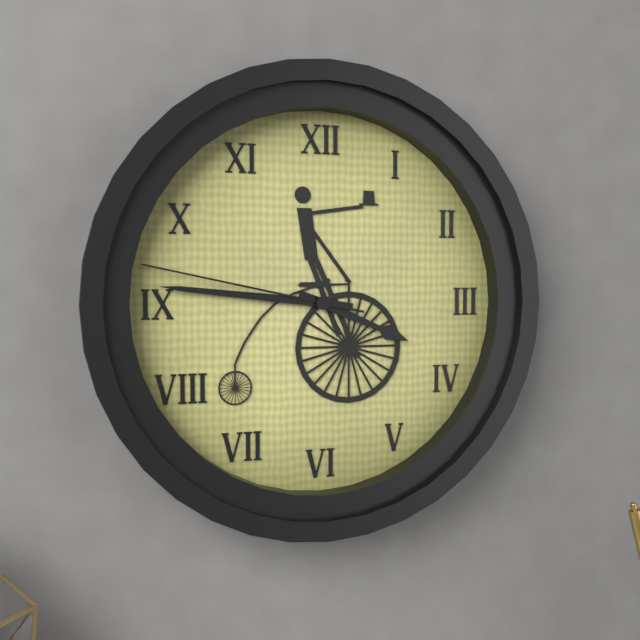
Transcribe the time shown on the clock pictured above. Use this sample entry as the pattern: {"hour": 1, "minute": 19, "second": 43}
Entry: {"hour": 3, "minute": 46, "second": 47}
